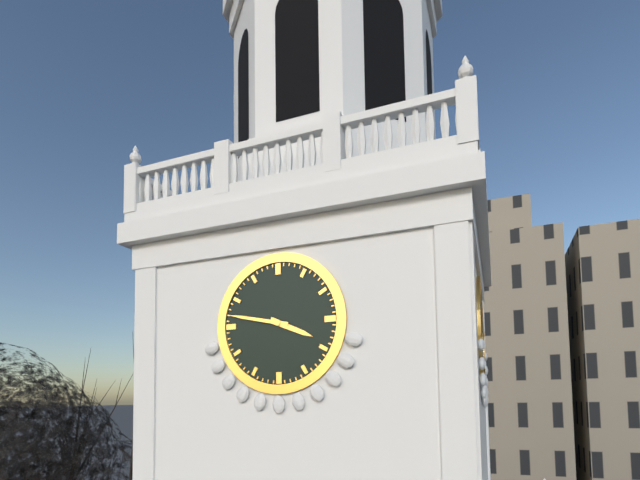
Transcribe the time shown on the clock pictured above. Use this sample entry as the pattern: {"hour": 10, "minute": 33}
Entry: {"hour": 3, "minute": 47}
